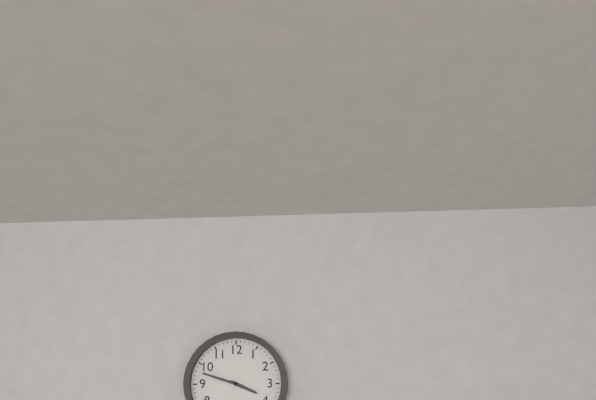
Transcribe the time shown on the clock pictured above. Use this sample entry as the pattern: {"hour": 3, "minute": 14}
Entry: {"hour": 3, "minute": 48}
